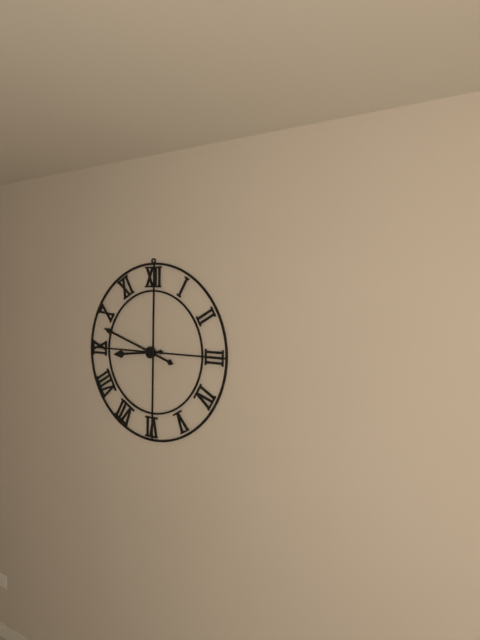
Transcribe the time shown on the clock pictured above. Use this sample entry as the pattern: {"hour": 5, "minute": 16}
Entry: {"hour": 8, "minute": 48}
